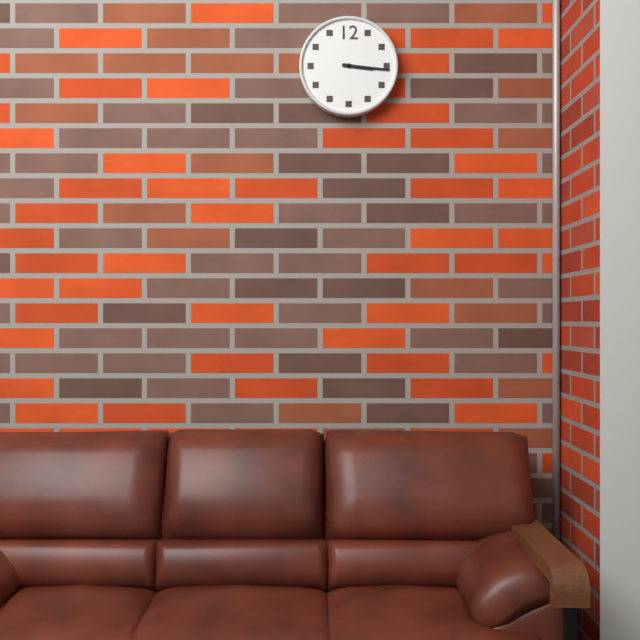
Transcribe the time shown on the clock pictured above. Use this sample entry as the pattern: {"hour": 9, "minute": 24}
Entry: {"hour": 3, "minute": 16}
